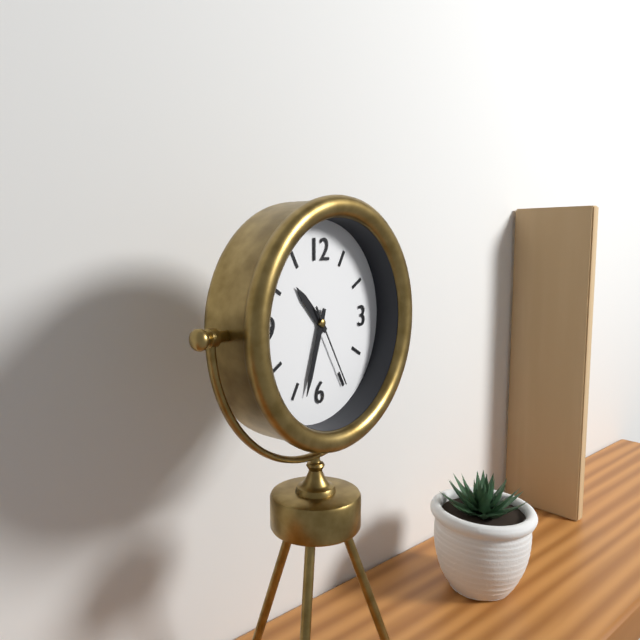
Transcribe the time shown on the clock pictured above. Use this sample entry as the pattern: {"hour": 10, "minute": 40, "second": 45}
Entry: {"hour": 10, "minute": 33, "second": 25}
